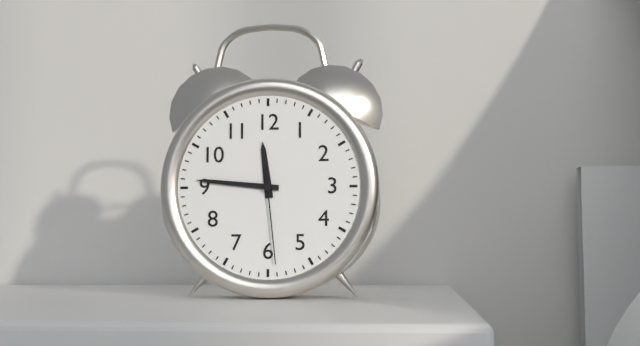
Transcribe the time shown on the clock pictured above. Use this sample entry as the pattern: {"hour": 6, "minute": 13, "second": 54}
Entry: {"hour": 11, "minute": 46, "second": 29}
